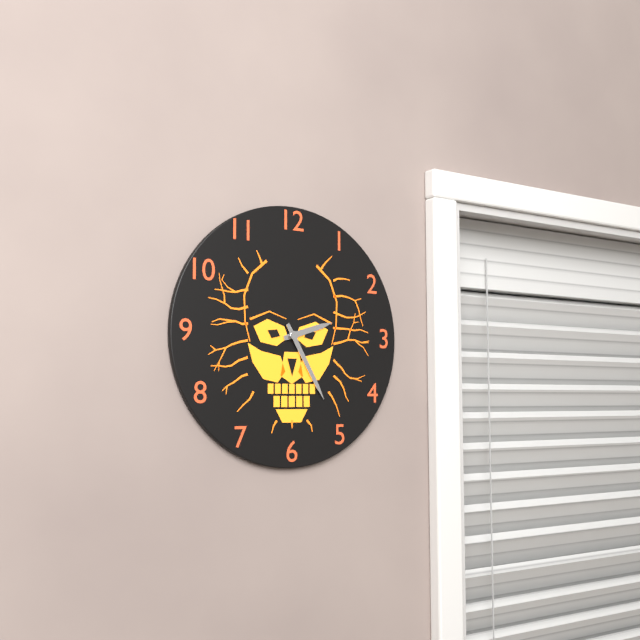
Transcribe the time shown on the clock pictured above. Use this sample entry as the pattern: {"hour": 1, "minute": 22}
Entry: {"hour": 2, "minute": 25}
